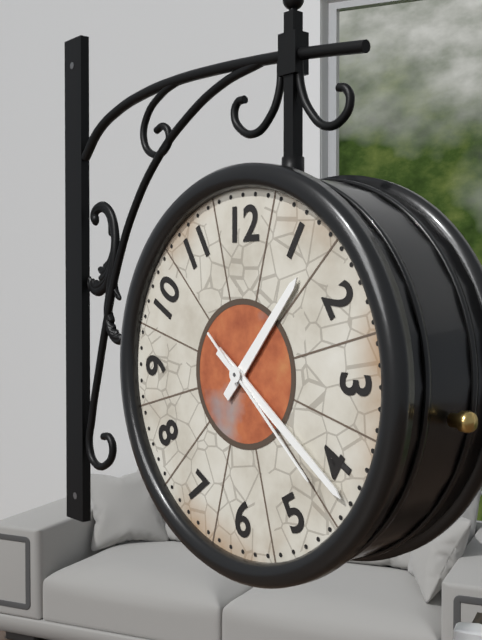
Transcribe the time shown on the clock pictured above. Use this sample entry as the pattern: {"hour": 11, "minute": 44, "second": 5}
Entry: {"hour": 1, "minute": 21, "second": 22}
